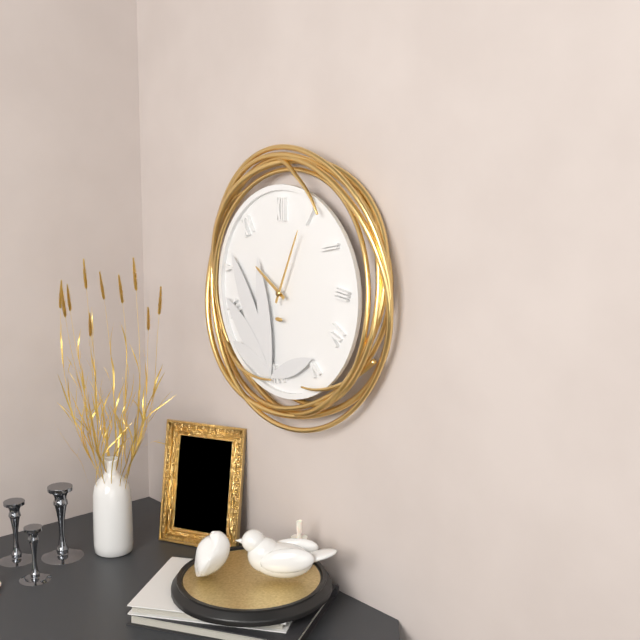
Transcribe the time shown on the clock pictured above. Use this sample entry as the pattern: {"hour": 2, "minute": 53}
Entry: {"hour": 10, "minute": 4}
